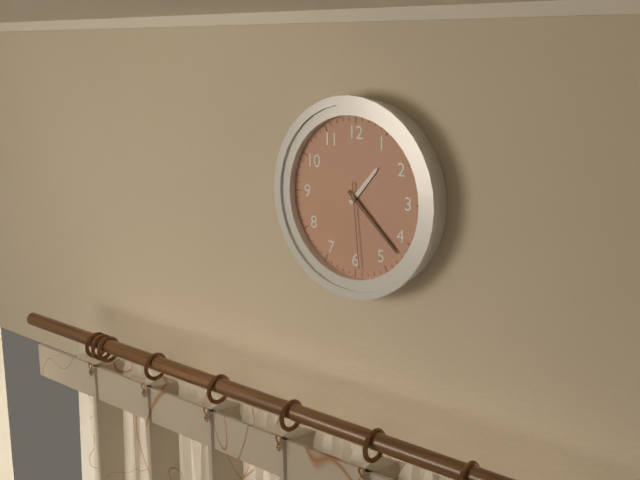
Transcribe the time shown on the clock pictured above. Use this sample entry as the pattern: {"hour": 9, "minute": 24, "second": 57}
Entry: {"hour": 1, "minute": 22, "second": 29}
